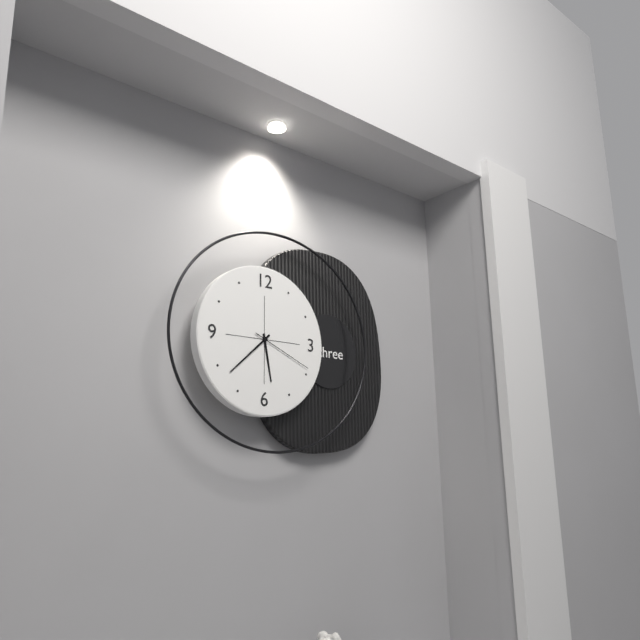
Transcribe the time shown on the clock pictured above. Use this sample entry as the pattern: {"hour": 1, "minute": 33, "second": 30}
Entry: {"hour": 5, "minute": 38, "second": 19}
